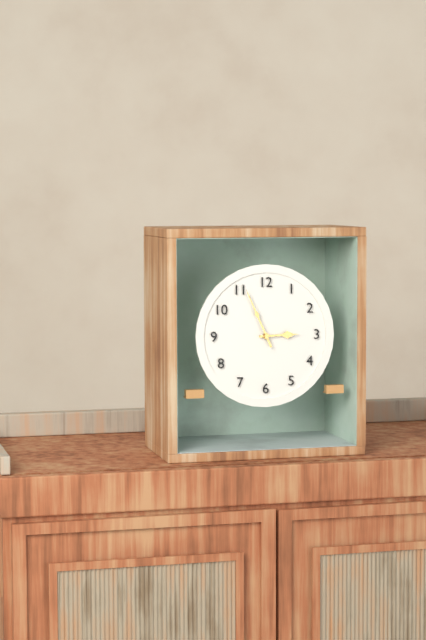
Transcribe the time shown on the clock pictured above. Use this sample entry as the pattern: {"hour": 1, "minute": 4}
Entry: {"hour": 2, "minute": 56}
